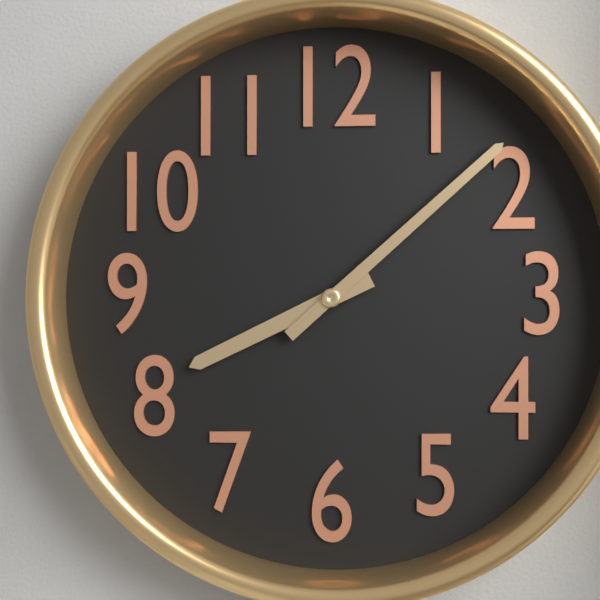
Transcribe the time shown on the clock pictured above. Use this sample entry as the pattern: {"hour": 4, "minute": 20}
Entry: {"hour": 8, "minute": 8}
